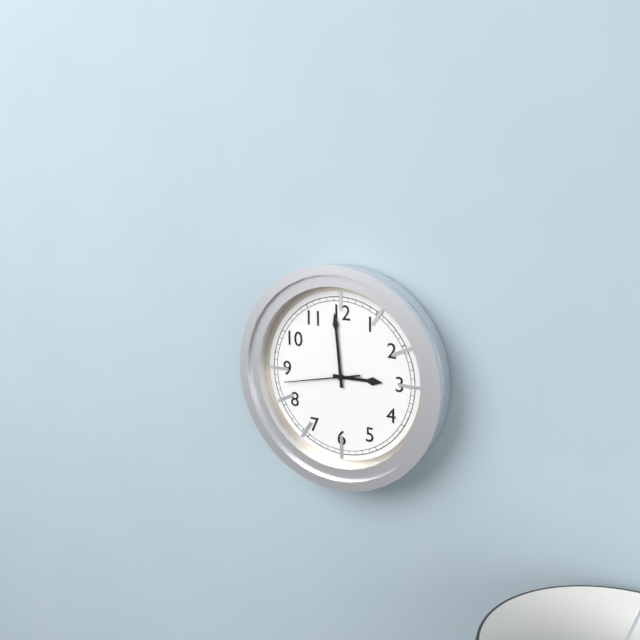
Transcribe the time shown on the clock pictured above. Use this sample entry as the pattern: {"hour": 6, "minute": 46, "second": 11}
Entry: {"hour": 2, "minute": 59, "second": 43}
